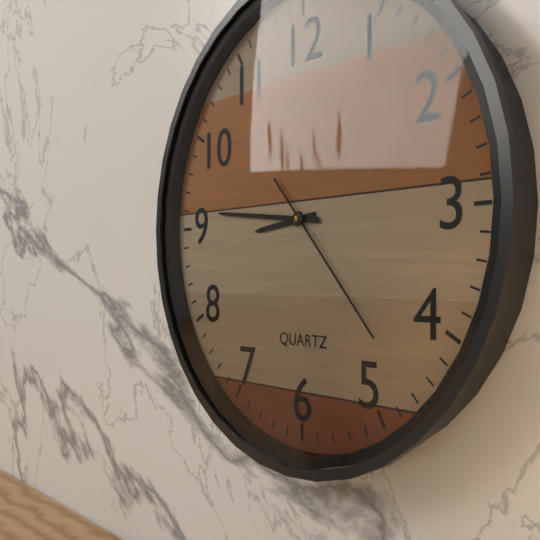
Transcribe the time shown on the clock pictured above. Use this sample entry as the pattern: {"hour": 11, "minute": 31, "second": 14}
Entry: {"hour": 8, "minute": 46, "second": 23}
